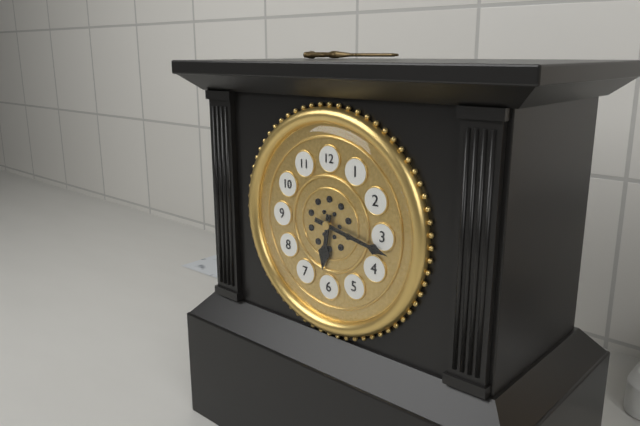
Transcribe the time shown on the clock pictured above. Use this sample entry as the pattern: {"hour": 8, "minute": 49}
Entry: {"hour": 6, "minute": 17}
